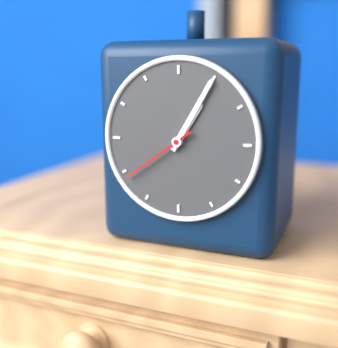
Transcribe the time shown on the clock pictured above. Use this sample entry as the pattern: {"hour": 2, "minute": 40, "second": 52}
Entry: {"hour": 1, "minute": 5, "second": 39}
